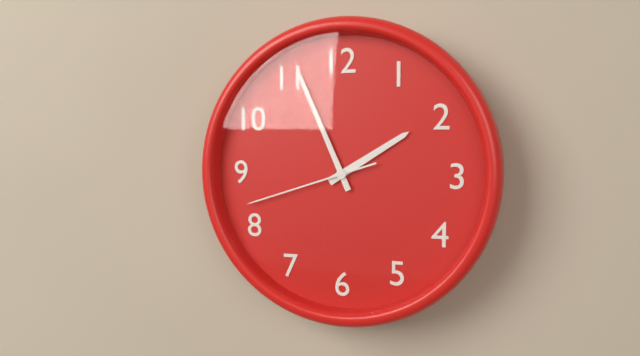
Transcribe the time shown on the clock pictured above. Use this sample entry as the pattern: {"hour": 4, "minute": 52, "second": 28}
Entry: {"hour": 1, "minute": 56, "second": 42}
